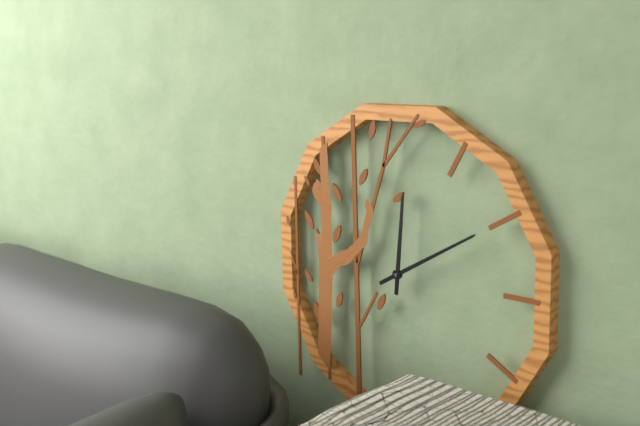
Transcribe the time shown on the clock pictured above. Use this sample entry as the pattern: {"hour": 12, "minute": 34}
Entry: {"hour": 12, "minute": 10}
